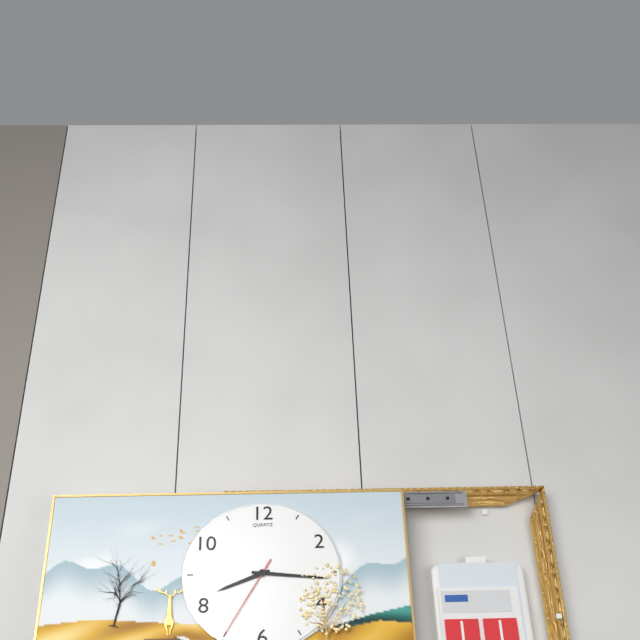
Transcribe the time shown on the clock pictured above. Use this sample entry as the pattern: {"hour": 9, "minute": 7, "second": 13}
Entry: {"hour": 8, "minute": 16, "second": 35}
